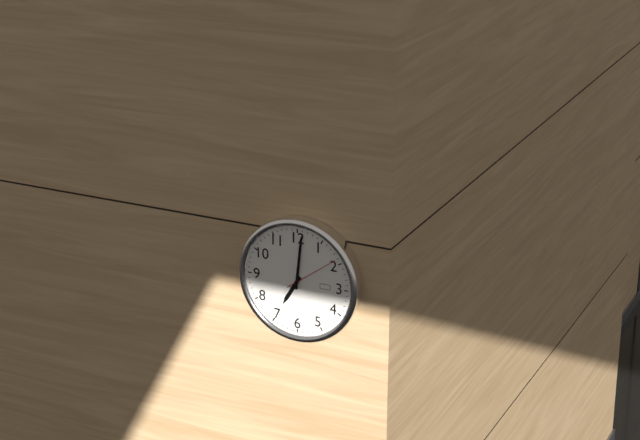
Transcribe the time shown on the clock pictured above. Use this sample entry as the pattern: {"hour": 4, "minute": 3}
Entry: {"hour": 7, "minute": 1}
